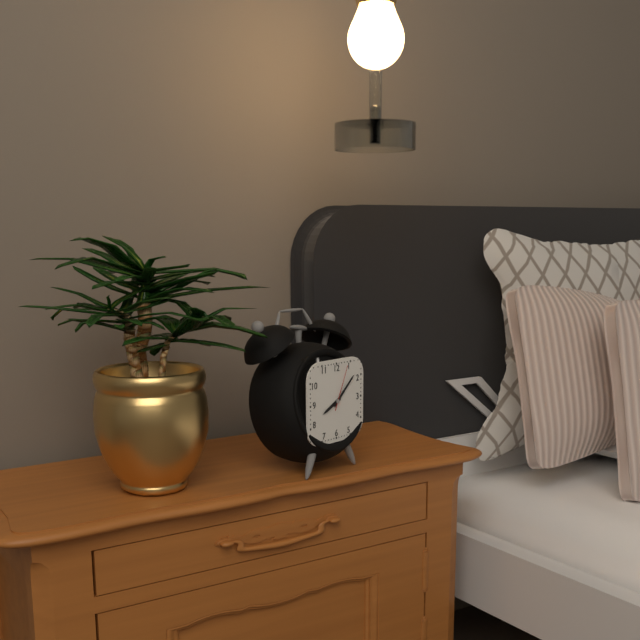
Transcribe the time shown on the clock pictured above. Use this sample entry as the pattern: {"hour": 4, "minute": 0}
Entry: {"hour": 8, "minute": 8}
